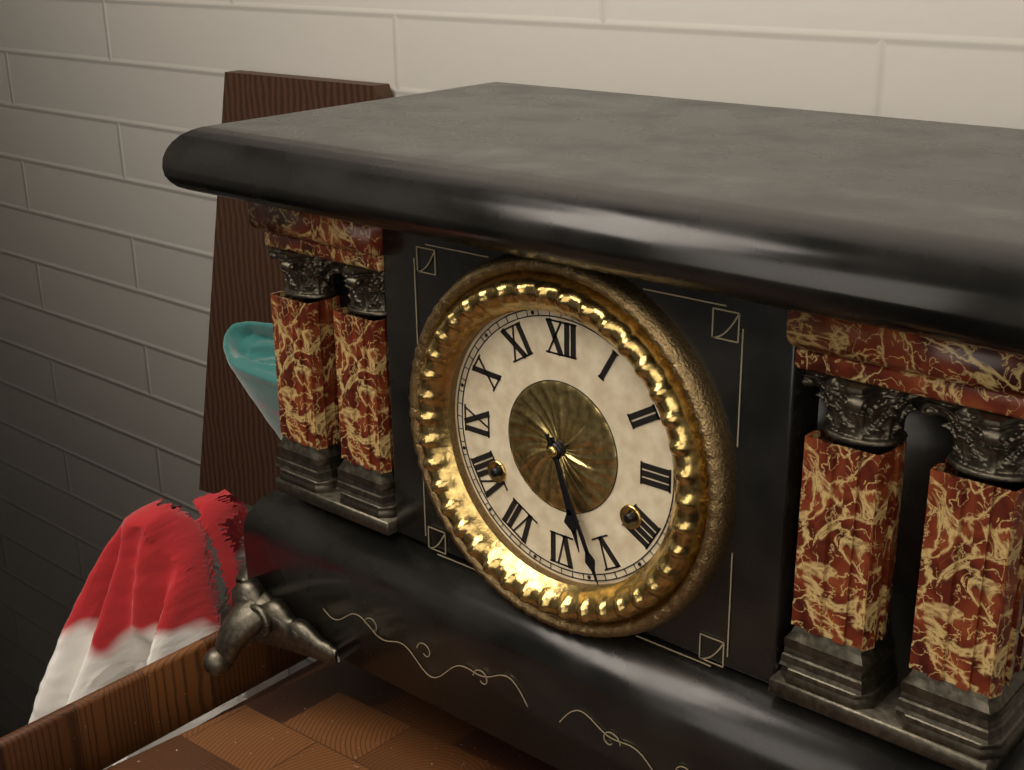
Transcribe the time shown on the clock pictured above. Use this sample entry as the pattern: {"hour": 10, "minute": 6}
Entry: {"hour": 5, "minute": 26}
